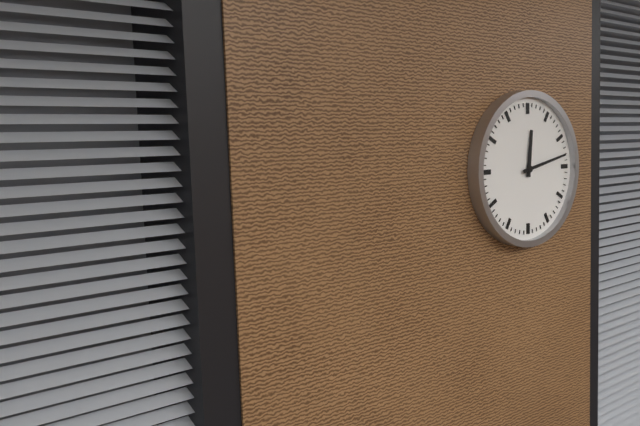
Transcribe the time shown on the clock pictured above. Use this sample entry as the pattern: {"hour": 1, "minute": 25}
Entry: {"hour": 12, "minute": 13}
